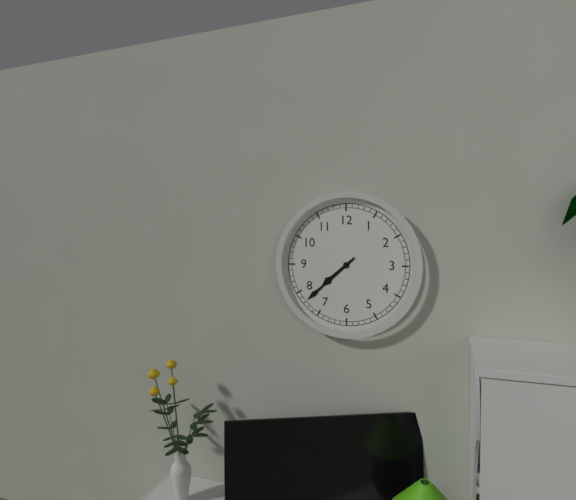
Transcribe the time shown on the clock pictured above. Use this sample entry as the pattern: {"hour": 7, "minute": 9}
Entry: {"hour": 7, "minute": 38}
